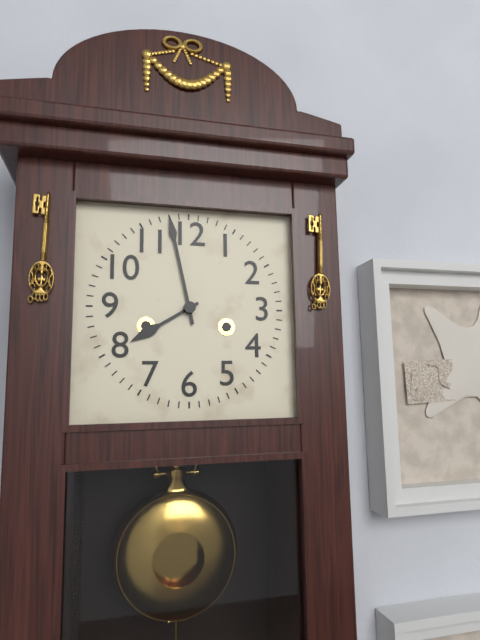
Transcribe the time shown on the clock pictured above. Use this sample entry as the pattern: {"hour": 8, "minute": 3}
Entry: {"hour": 7, "minute": 58}
